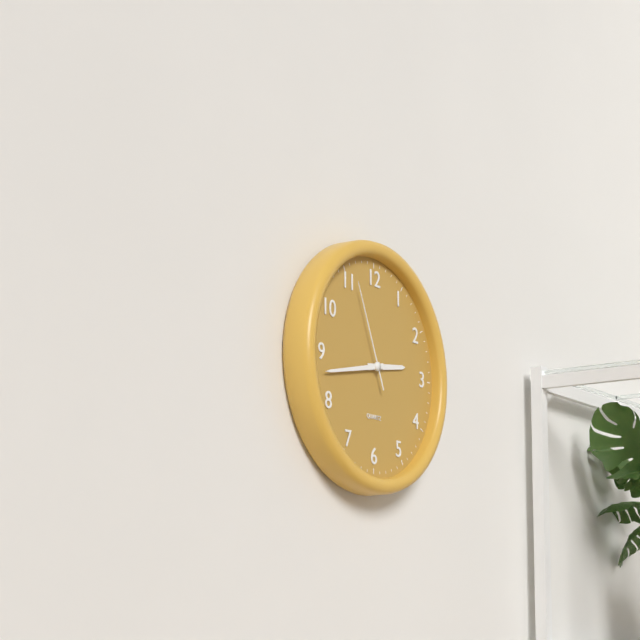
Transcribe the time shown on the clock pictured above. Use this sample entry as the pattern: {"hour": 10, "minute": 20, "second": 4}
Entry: {"hour": 2, "minute": 43, "second": 56}
